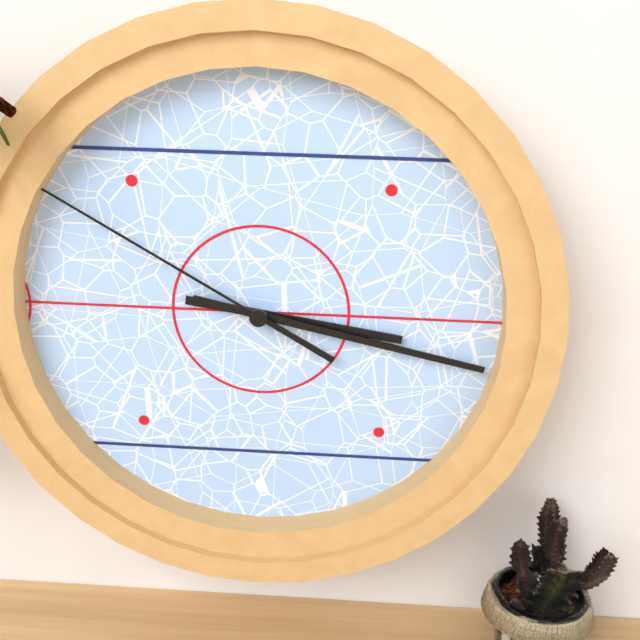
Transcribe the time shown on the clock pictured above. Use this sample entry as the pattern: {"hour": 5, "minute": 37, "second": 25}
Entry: {"hour": 3, "minute": 17, "second": 50}
